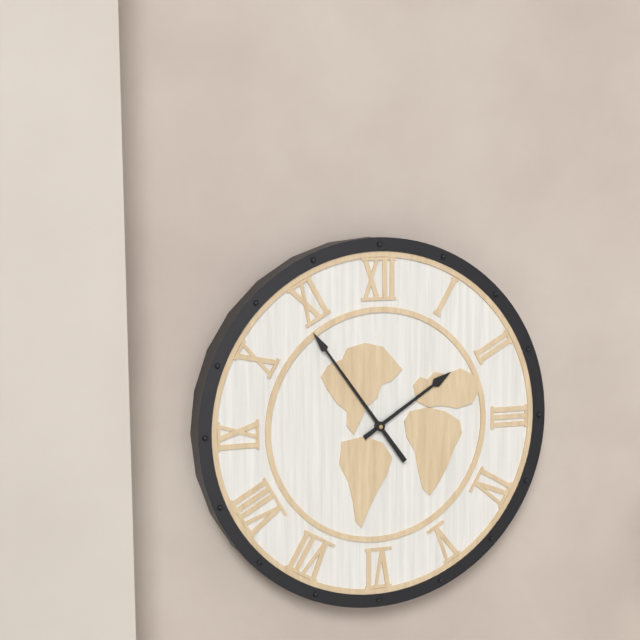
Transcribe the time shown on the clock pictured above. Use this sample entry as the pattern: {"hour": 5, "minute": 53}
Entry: {"hour": 1, "minute": 54}
